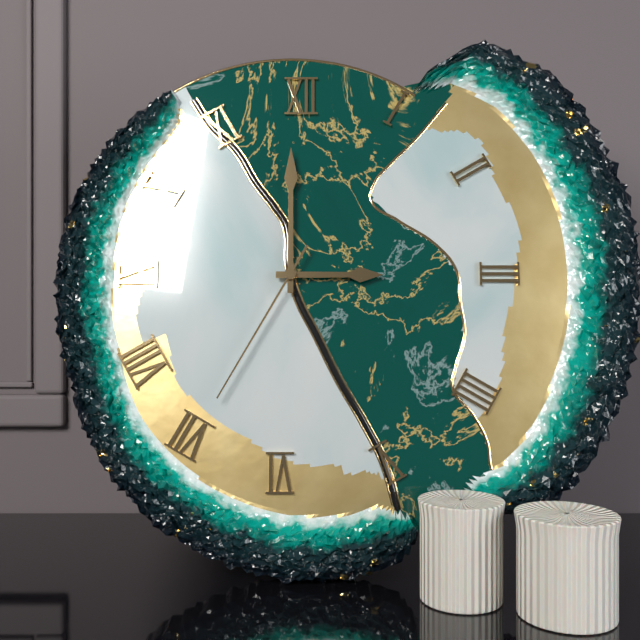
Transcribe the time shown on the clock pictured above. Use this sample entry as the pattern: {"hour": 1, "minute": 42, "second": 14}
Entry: {"hour": 3, "minute": 0, "second": 35}
